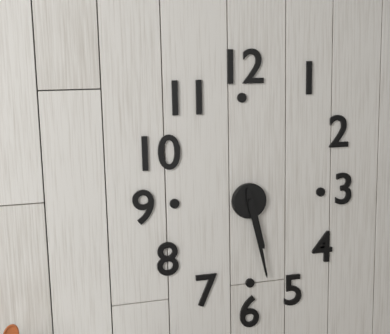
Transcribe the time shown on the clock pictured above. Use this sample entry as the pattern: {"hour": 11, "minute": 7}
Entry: {"hour": 5, "minute": 28}
